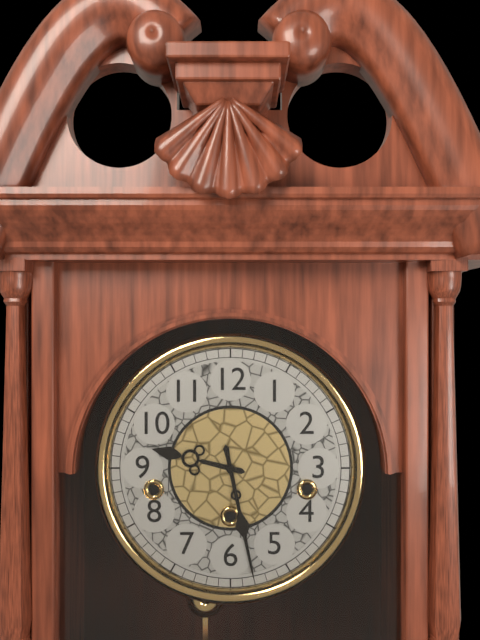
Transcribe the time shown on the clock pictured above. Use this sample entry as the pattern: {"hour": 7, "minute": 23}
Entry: {"hour": 9, "minute": 28}
